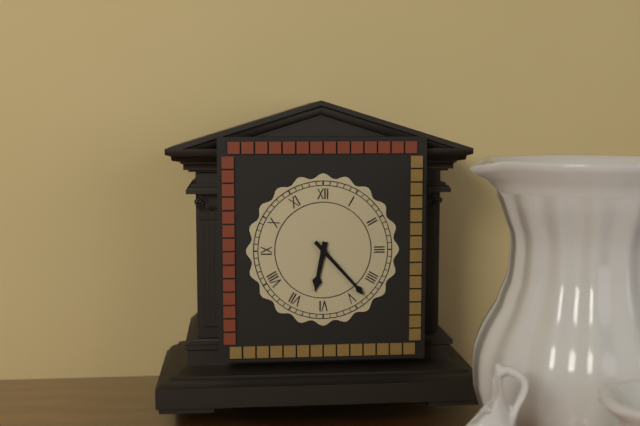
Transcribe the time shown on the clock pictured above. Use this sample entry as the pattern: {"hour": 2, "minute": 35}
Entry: {"hour": 6, "minute": 23}
